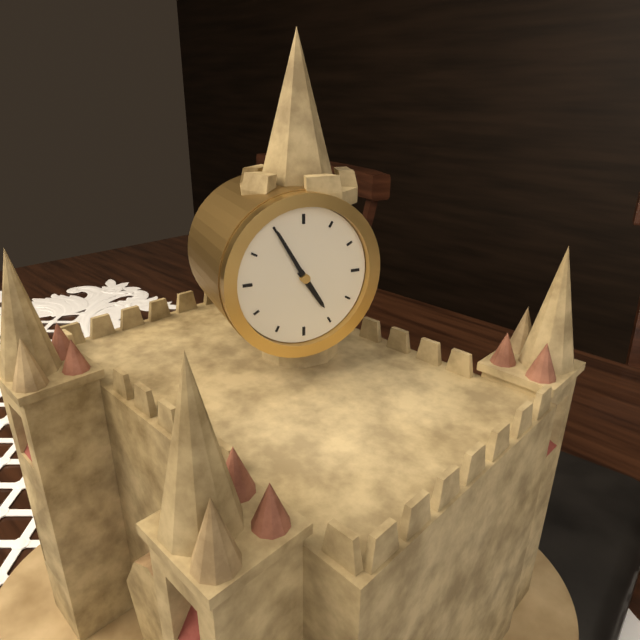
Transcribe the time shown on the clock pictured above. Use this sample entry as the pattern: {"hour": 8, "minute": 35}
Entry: {"hour": 4, "minute": 55}
